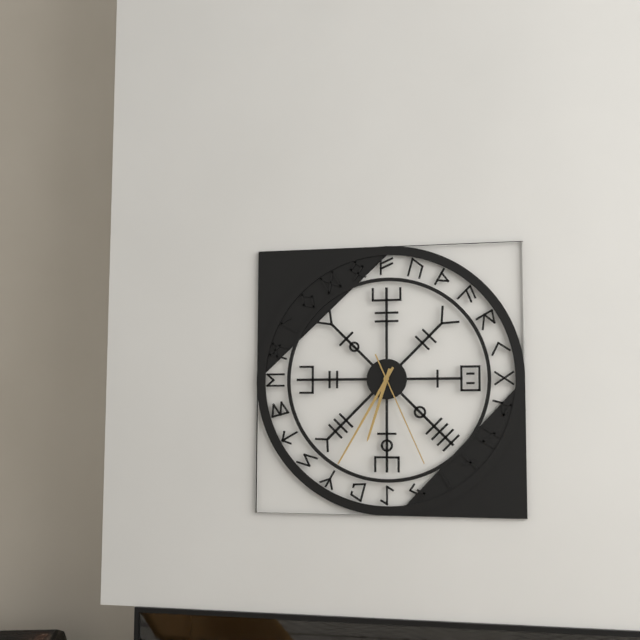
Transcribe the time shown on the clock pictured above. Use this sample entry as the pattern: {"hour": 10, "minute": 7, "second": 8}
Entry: {"hour": 6, "minute": 35, "second": 26}
